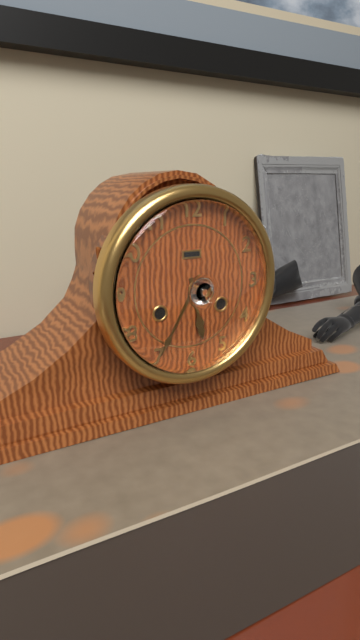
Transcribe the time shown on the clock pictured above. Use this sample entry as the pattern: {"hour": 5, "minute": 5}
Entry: {"hour": 5, "minute": 35}
